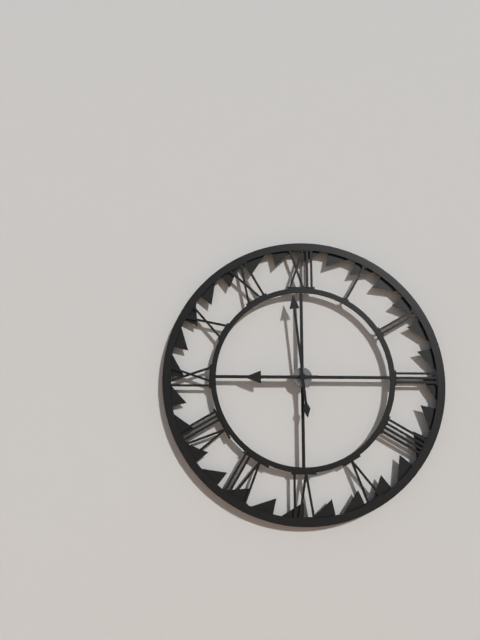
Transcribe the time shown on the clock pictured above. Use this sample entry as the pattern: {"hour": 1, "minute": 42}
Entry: {"hour": 8, "minute": 59}
